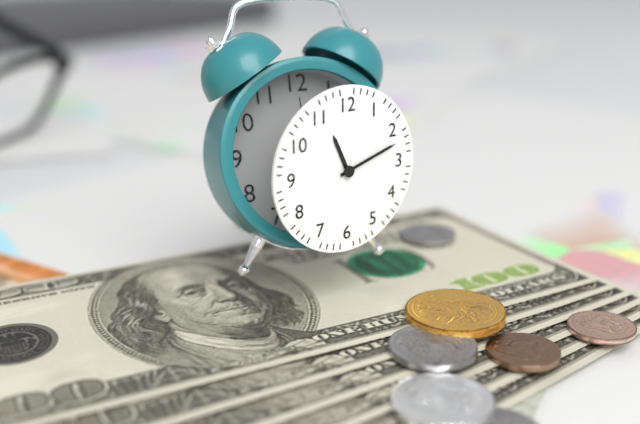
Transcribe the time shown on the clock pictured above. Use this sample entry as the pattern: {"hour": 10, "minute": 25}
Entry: {"hour": 11, "minute": 12}
